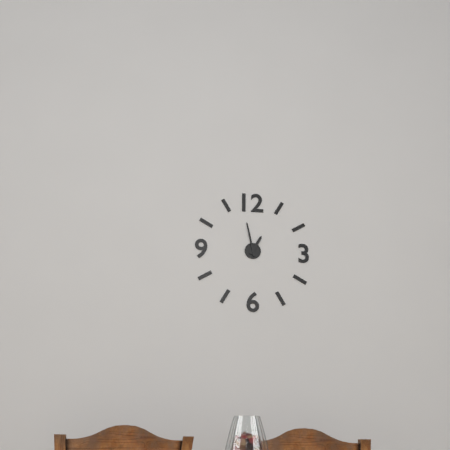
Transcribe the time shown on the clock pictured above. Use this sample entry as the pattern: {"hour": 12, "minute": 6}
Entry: {"hour": 12, "minute": 58}
